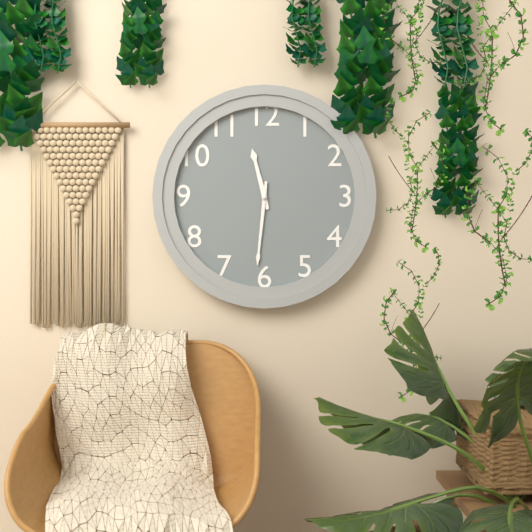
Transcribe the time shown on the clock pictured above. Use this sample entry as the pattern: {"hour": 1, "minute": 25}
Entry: {"hour": 11, "minute": 31}
